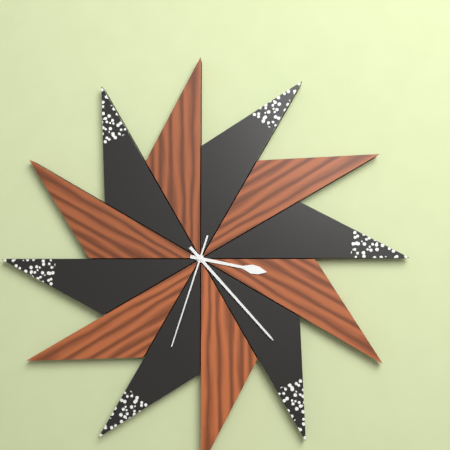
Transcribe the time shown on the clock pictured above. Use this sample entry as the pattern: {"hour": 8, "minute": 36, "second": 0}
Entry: {"hour": 3, "minute": 23, "second": 33}
